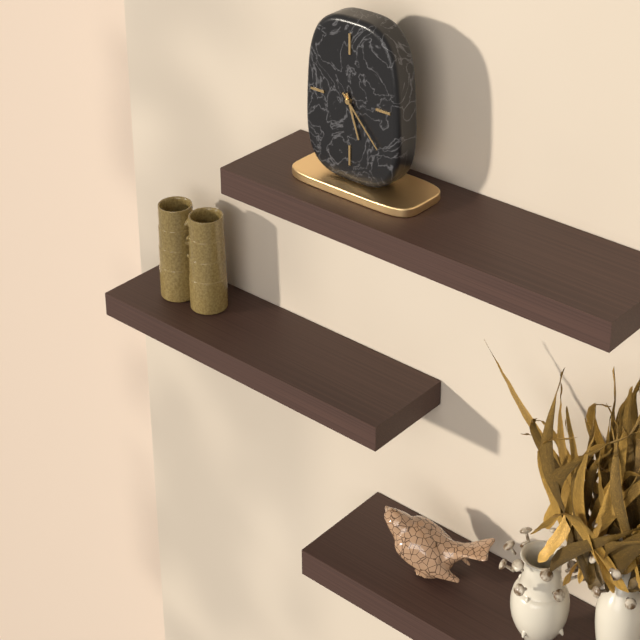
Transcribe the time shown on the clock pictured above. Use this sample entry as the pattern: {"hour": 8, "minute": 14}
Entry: {"hour": 5, "minute": 23}
